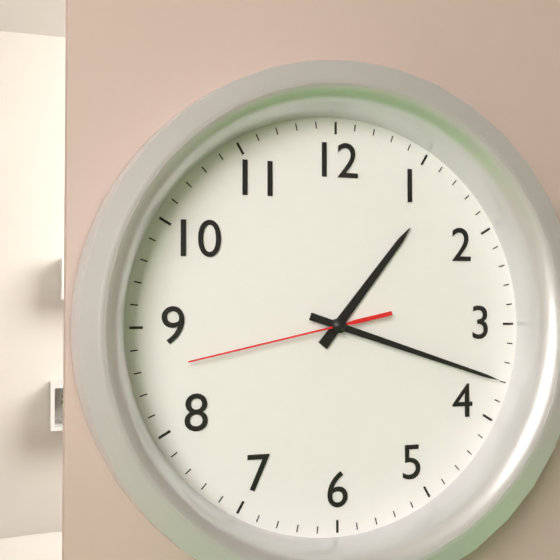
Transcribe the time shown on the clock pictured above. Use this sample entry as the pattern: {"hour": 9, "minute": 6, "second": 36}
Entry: {"hour": 1, "minute": 18, "second": 43}
